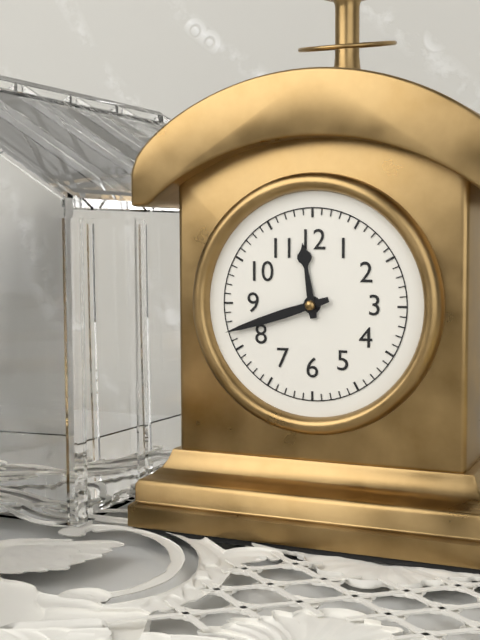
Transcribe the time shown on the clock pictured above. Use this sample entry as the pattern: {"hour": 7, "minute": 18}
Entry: {"hour": 11, "minute": 42}
